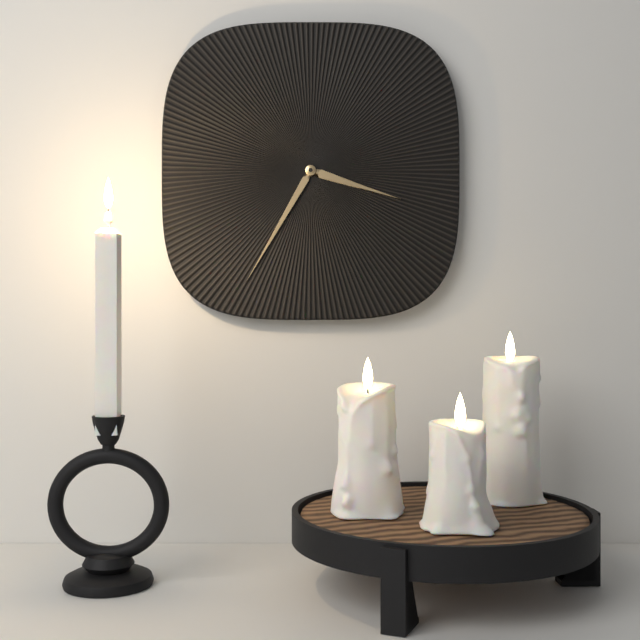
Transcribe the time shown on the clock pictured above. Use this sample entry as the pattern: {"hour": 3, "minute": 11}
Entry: {"hour": 3, "minute": 35}
